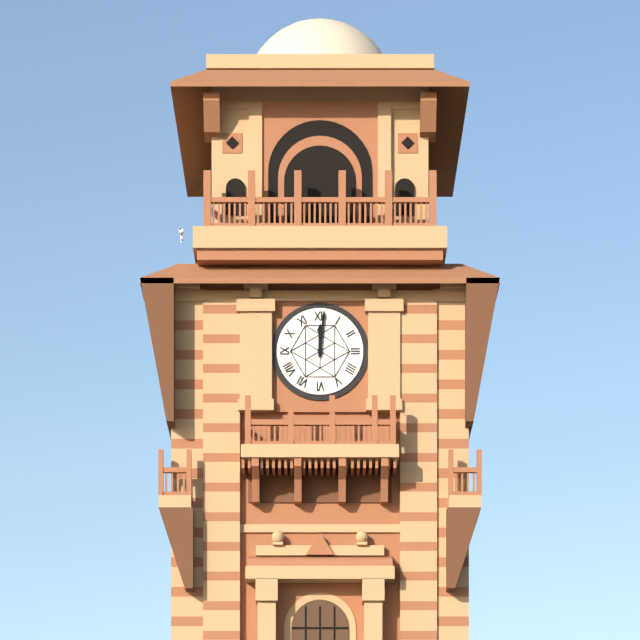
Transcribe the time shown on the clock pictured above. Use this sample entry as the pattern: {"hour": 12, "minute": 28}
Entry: {"hour": 12, "minute": 1}
